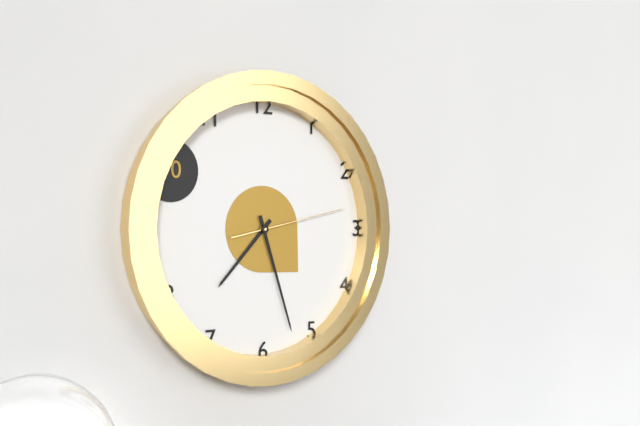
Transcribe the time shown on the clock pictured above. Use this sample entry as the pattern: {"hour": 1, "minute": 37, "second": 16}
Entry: {"hour": 7, "minute": 27, "second": 13}
